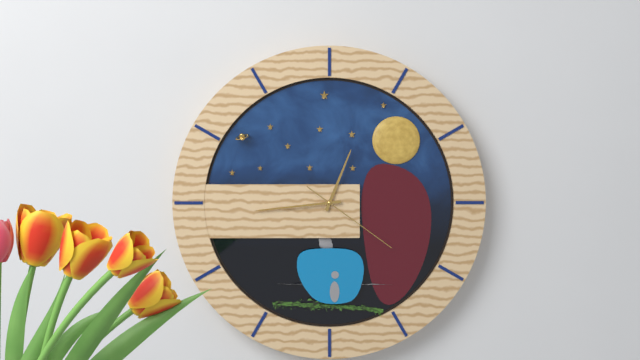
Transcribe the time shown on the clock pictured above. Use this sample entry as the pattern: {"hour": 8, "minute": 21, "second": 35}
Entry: {"hour": 12, "minute": 44, "second": 21}
